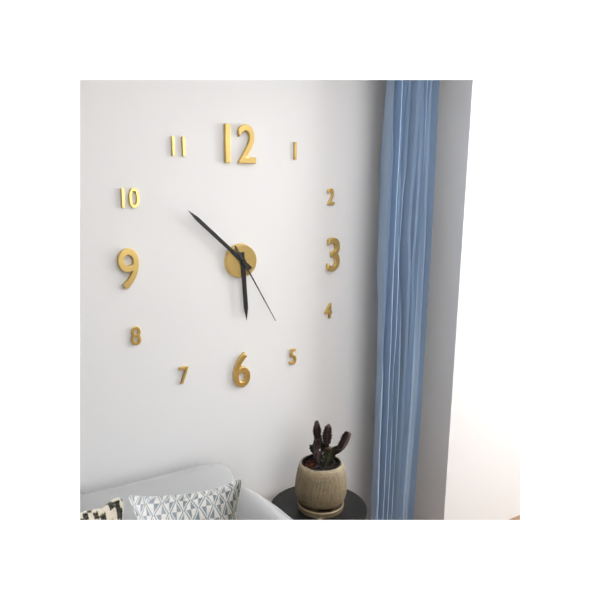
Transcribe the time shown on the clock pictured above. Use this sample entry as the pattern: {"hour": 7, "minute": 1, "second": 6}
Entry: {"hour": 5, "minute": 52, "second": 25}
